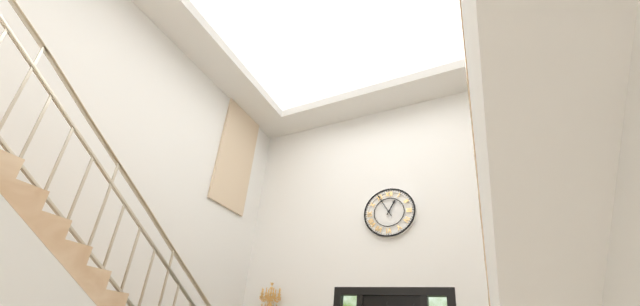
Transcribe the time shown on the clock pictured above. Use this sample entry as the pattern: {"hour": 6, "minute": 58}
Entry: {"hour": 12, "minute": 55}
